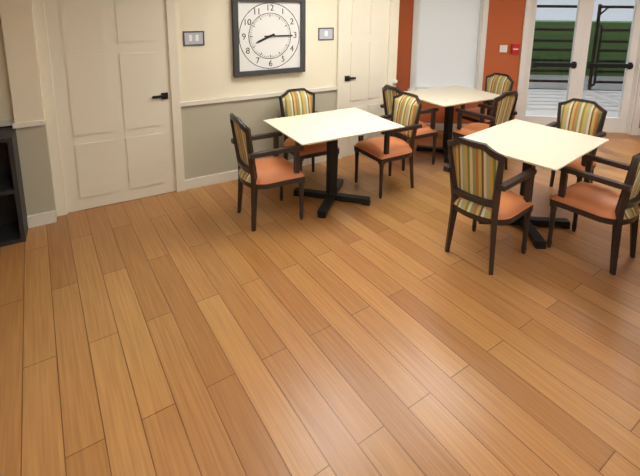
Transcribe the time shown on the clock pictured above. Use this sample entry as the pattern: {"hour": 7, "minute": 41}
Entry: {"hour": 8, "minute": 15}
